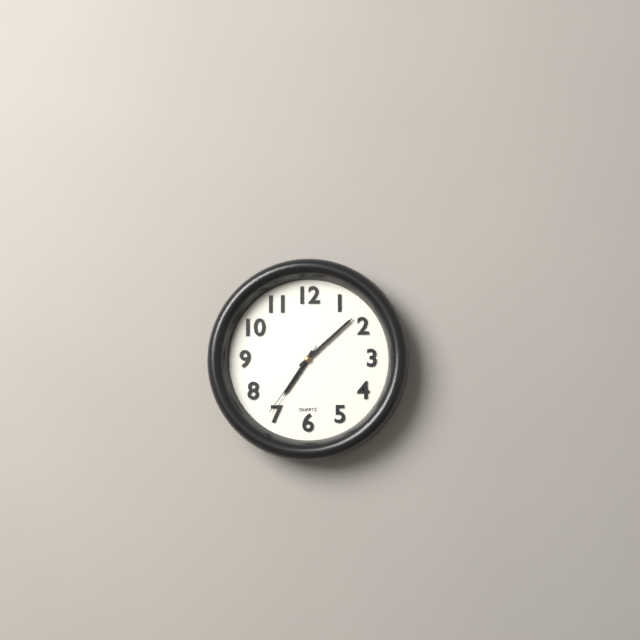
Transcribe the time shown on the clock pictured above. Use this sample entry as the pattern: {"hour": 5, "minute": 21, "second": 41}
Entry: {"hour": 7, "minute": 8, "second": 36}
